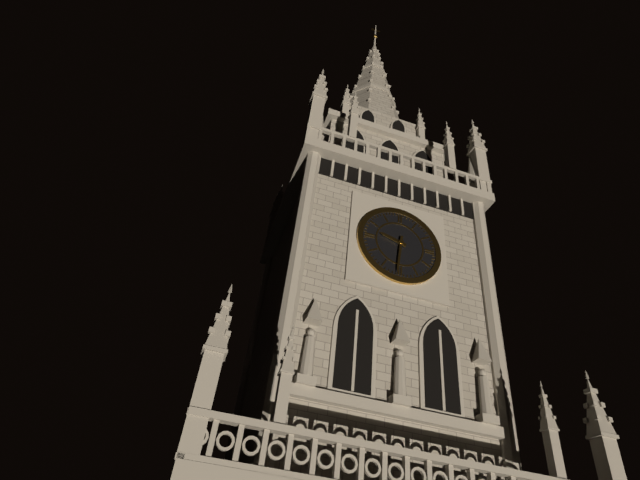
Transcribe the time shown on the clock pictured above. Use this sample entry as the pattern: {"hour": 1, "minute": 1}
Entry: {"hour": 9, "minute": 31}
